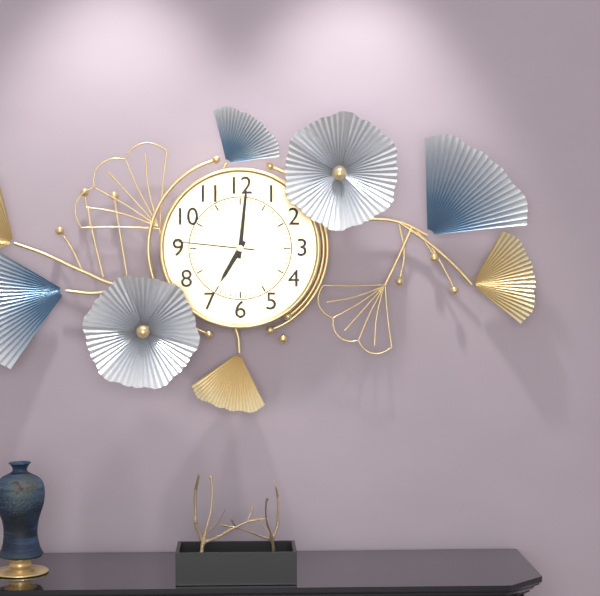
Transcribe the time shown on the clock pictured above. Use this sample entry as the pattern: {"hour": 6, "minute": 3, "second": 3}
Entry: {"hour": 7, "minute": 1, "second": 46}
